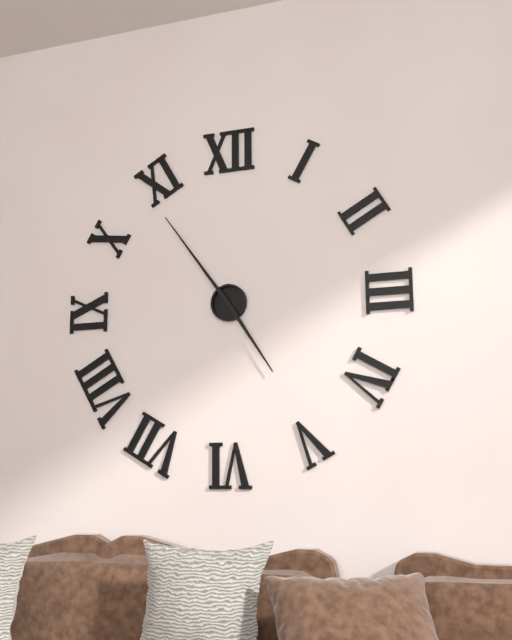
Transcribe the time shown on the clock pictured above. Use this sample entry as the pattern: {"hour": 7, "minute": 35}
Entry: {"hour": 4, "minute": 54}
